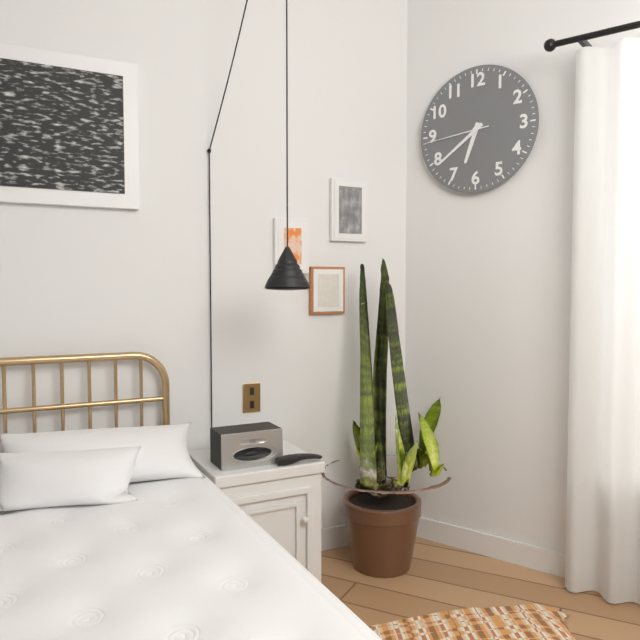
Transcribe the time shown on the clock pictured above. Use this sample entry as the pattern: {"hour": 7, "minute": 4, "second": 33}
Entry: {"hour": 6, "minute": 39, "second": 44}
